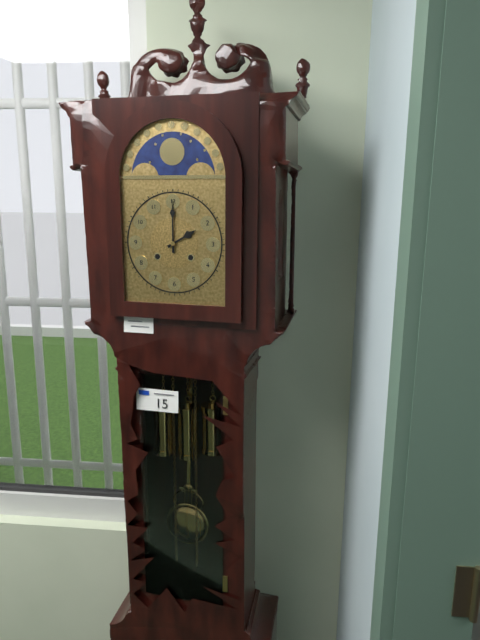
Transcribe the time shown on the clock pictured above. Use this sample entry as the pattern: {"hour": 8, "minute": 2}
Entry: {"hour": 2, "minute": 0}
